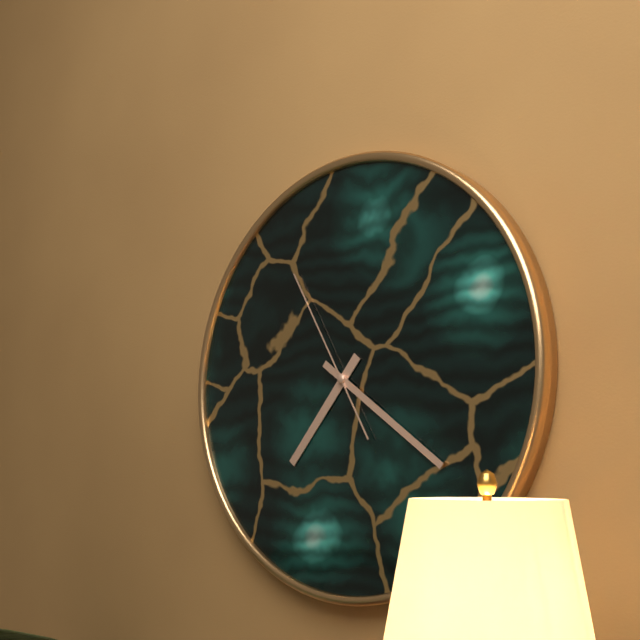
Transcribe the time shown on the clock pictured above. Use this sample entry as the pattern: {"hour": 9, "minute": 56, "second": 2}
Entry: {"hour": 7, "minute": 21, "second": 55}
